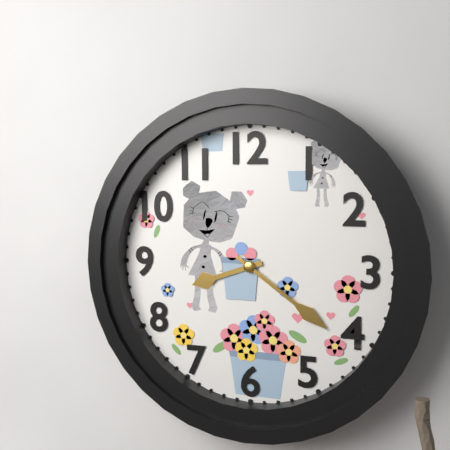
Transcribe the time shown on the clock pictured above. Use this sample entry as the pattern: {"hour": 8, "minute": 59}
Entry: {"hour": 8, "minute": 21}
